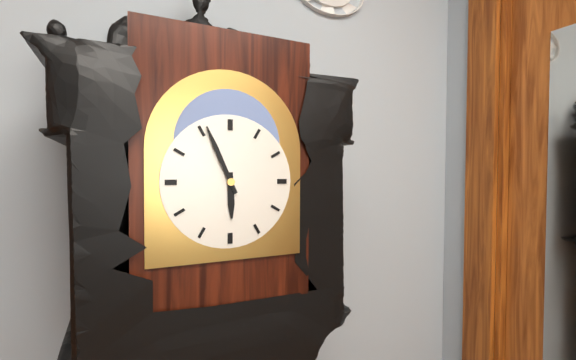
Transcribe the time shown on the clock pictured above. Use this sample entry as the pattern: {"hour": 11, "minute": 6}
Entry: {"hour": 5, "minute": 56}
